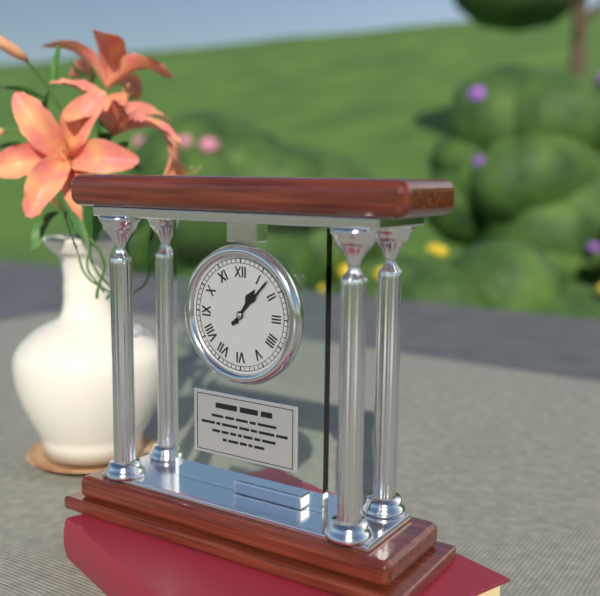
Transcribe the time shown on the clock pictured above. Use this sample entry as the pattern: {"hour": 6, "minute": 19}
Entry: {"hour": 1, "minute": 7}
